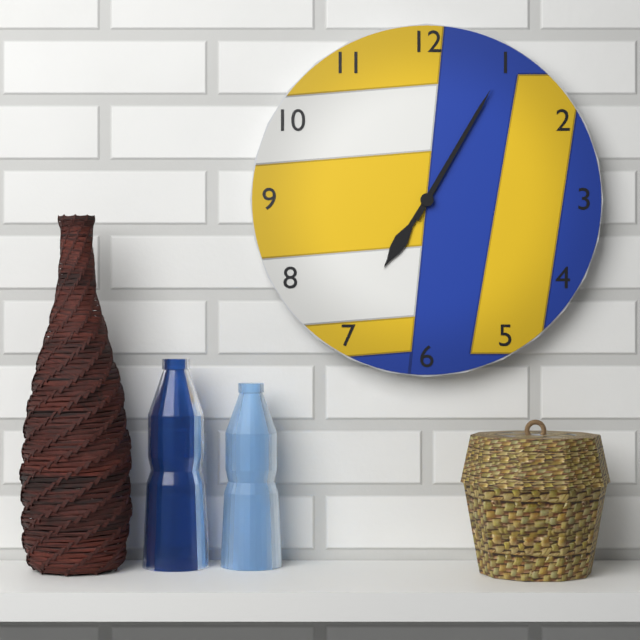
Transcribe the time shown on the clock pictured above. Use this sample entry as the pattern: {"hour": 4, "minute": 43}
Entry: {"hour": 7, "minute": 5}
